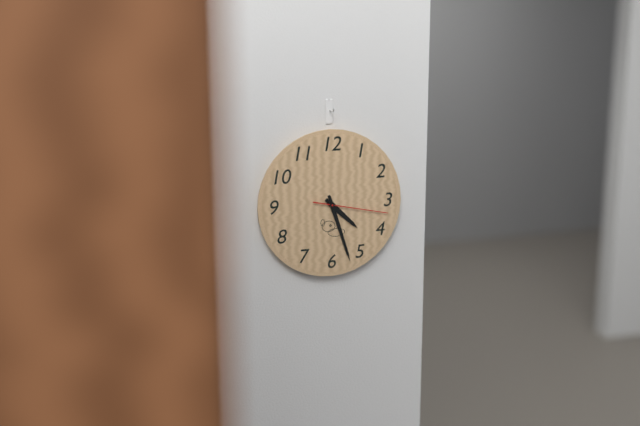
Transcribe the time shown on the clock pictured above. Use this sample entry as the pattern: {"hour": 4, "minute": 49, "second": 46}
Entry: {"hour": 4, "minute": 27, "second": 17}
